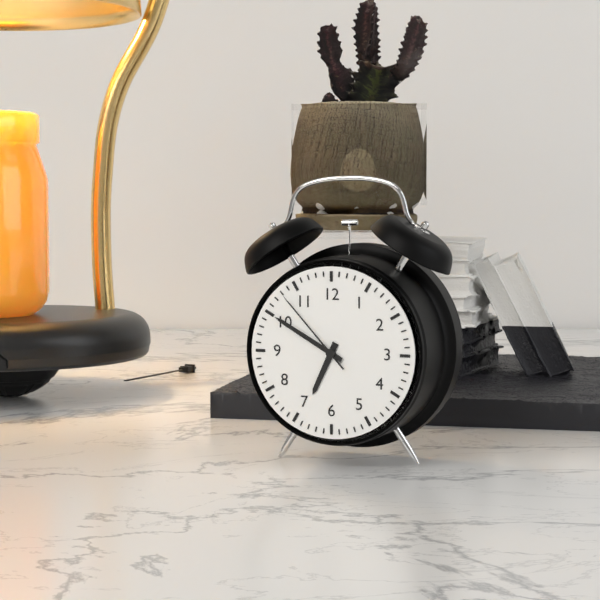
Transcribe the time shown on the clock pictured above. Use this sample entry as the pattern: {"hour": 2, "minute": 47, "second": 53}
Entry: {"hour": 6, "minute": 50, "second": 53}
